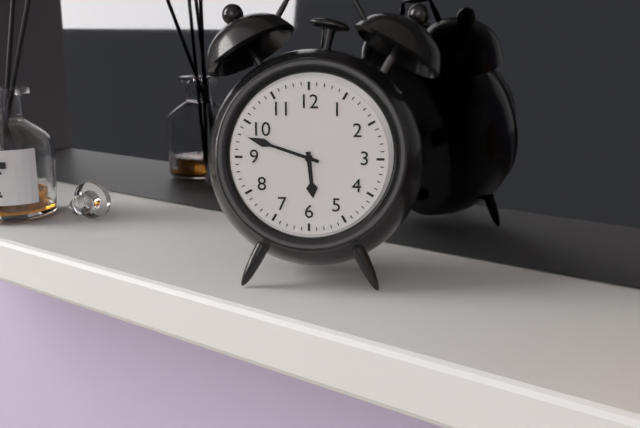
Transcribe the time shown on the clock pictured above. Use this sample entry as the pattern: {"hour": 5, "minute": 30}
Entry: {"hour": 5, "minute": 48}
